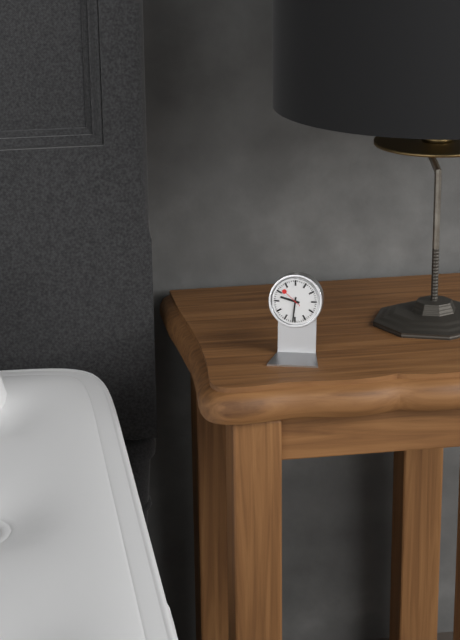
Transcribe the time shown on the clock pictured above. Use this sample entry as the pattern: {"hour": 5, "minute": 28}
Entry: {"hour": 9, "minute": 31}
